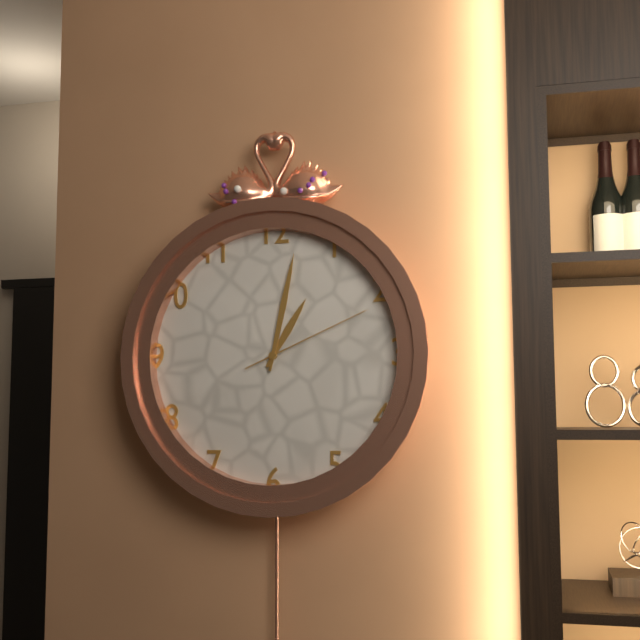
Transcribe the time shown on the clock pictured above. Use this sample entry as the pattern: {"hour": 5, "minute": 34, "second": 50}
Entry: {"hour": 1, "minute": 2, "second": 11}
